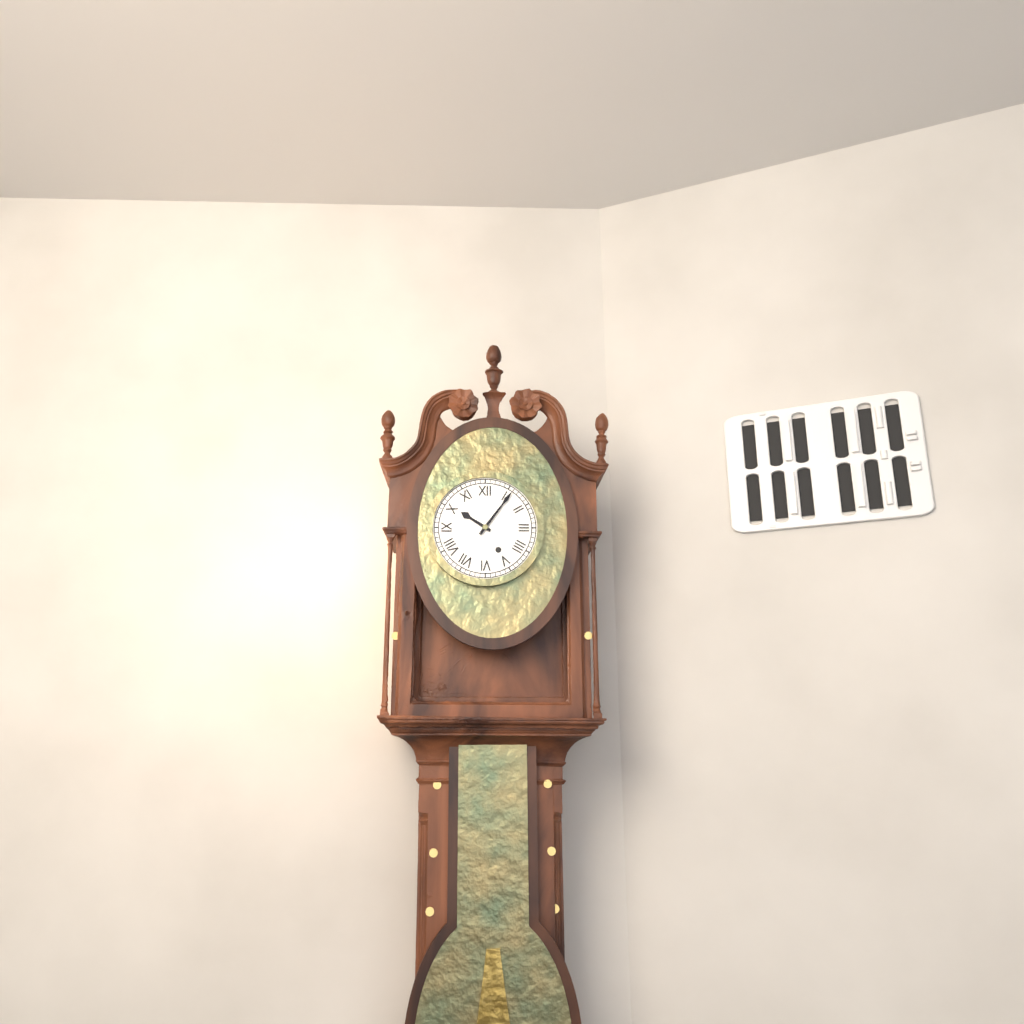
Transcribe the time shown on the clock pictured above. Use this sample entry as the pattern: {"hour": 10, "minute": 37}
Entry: {"hour": 10, "minute": 6}
